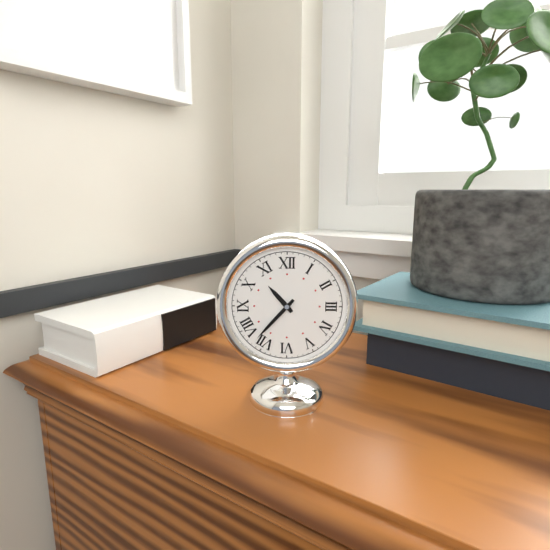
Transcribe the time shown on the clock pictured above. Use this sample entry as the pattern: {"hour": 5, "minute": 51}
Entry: {"hour": 10, "minute": 37}
